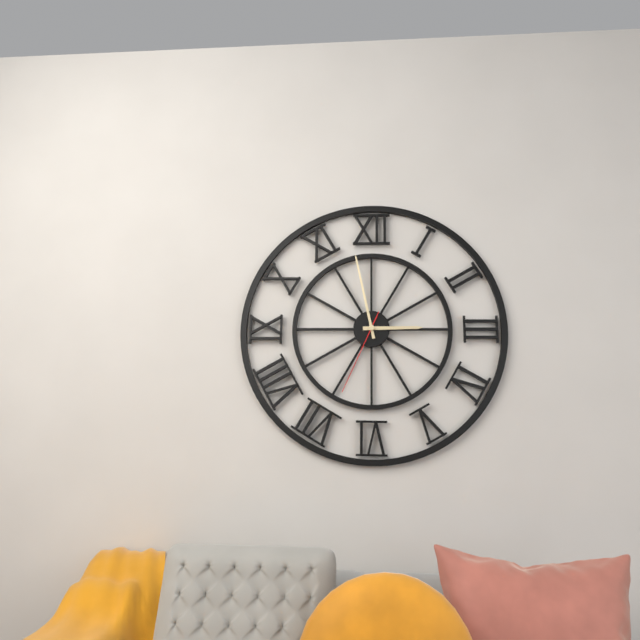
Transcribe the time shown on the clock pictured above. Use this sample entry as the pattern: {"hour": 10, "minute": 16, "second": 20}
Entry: {"hour": 2, "minute": 58, "second": 34}
